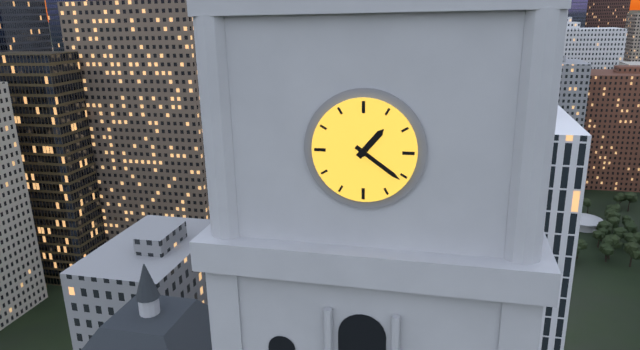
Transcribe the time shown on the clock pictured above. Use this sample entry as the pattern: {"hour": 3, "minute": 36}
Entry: {"hour": 1, "minute": 21}
